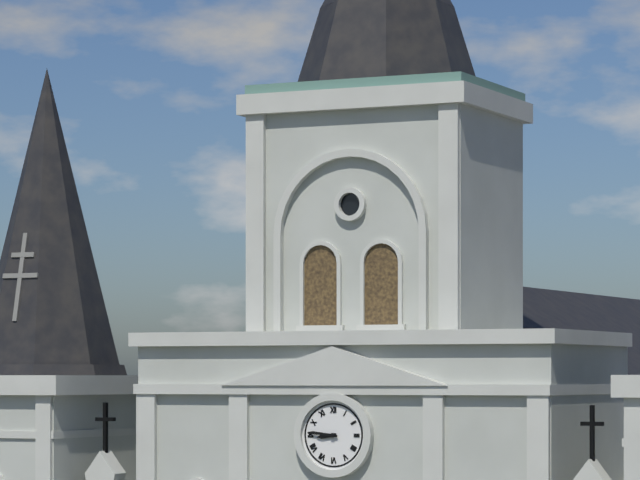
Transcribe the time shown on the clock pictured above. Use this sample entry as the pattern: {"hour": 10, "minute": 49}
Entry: {"hour": 8, "minute": 46}
